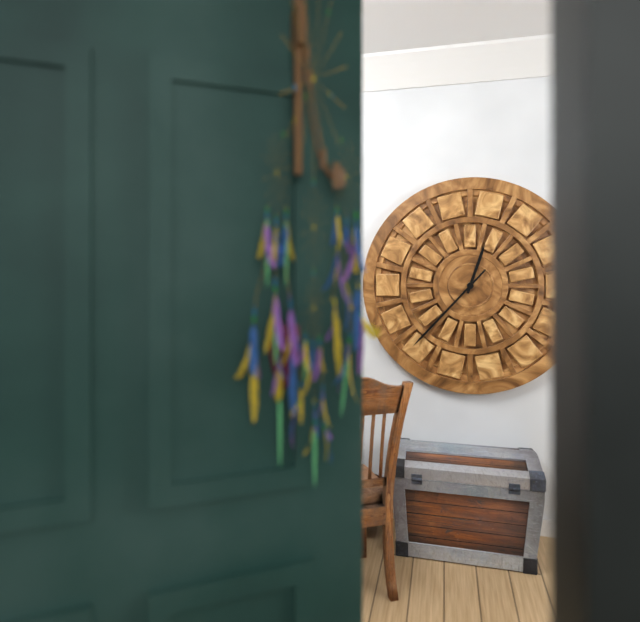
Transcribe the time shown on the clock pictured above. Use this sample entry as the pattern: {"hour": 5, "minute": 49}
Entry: {"hour": 12, "minute": 37}
